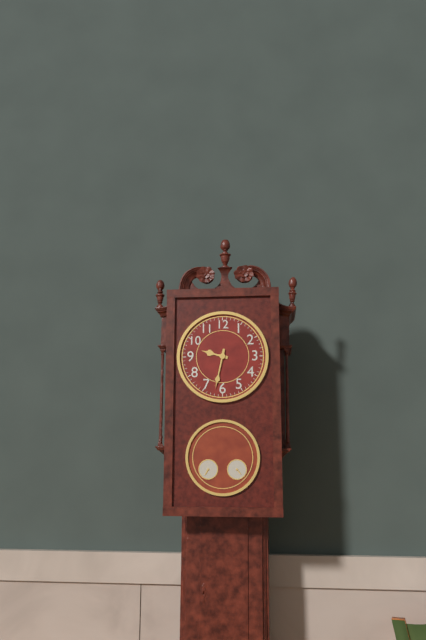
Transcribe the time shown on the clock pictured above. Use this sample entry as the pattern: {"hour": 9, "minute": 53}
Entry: {"hour": 9, "minute": 32}
